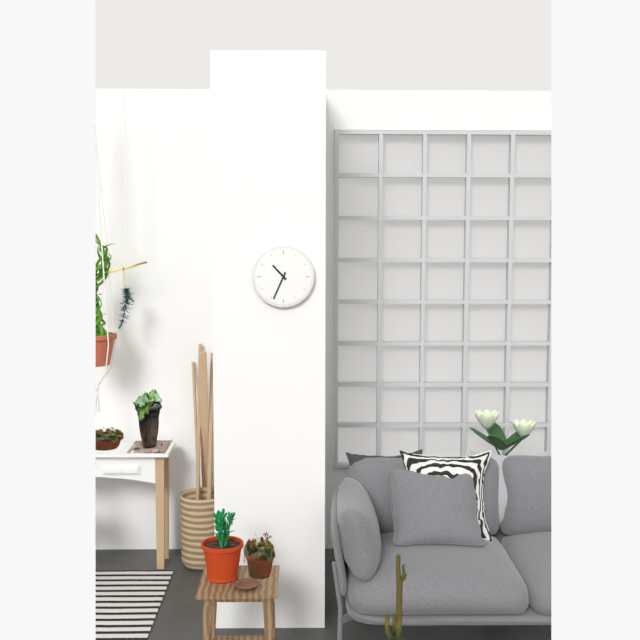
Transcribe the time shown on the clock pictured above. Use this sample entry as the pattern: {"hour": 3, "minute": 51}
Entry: {"hour": 10, "minute": 34}
